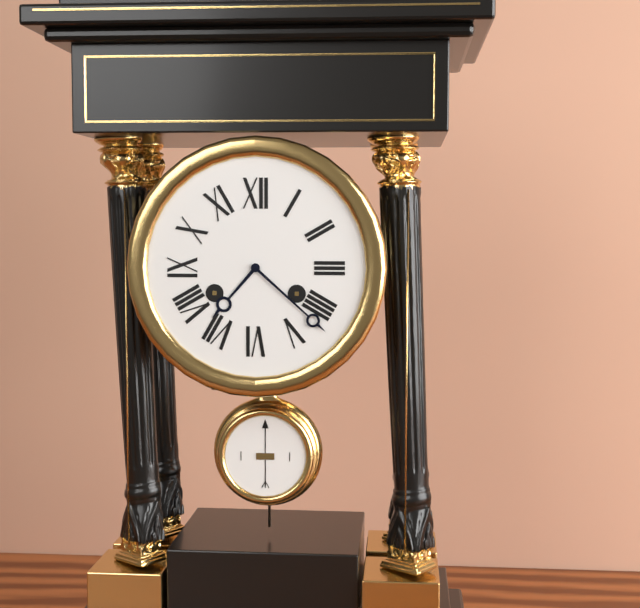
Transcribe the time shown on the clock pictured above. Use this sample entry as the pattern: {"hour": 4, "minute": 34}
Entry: {"hour": 7, "minute": 22}
